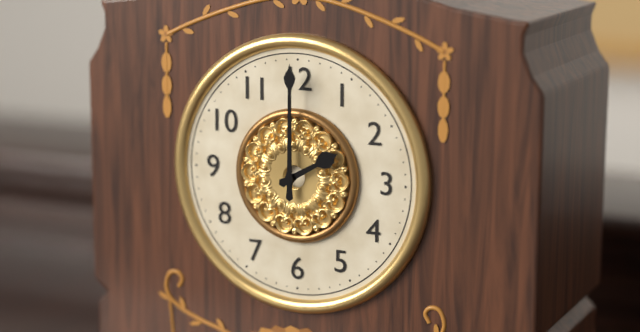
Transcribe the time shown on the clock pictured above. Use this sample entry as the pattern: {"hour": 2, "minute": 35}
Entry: {"hour": 2, "minute": 0}
